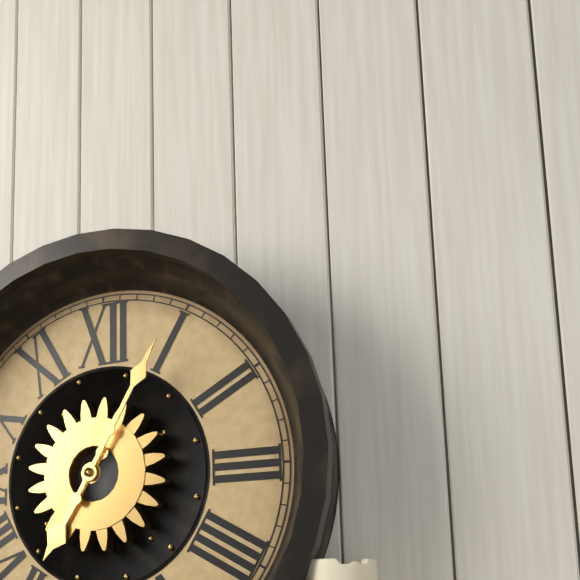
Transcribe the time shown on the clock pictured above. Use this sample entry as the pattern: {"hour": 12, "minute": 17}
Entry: {"hour": 7, "minute": 5}
